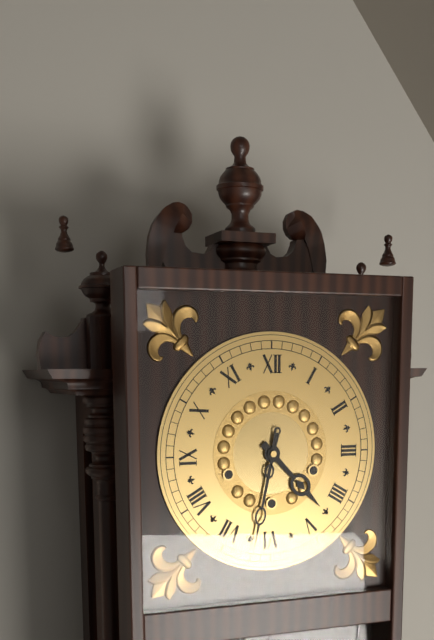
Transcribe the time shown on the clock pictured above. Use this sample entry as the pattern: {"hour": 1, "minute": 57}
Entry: {"hour": 4, "minute": 32}
